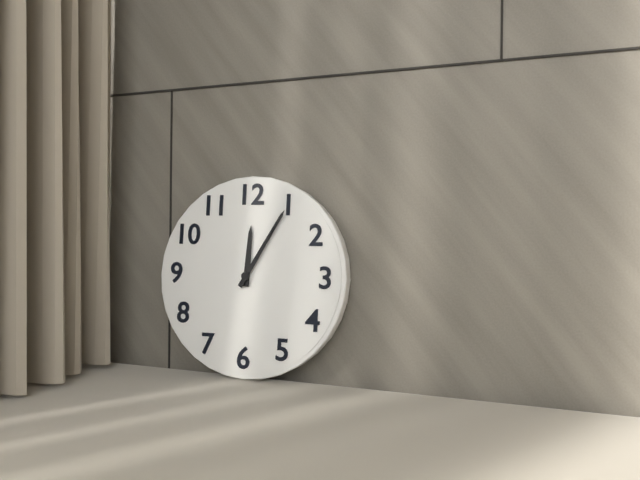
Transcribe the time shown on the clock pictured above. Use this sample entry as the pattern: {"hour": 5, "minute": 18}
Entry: {"hour": 12, "minute": 5}
